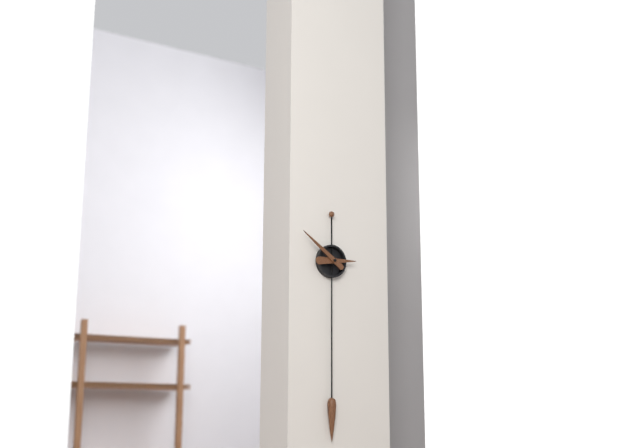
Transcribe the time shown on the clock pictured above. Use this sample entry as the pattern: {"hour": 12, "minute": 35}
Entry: {"hour": 2, "minute": 51}
